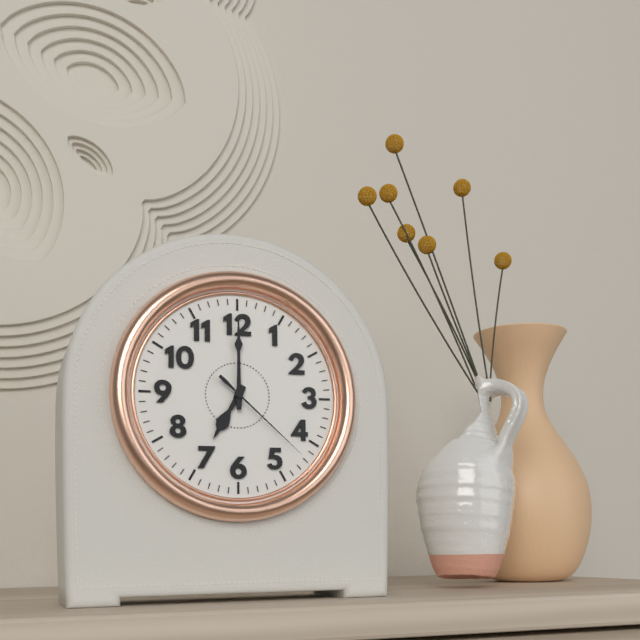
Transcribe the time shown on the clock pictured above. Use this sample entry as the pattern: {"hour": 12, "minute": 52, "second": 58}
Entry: {"hour": 7, "minute": 0, "second": 22}
